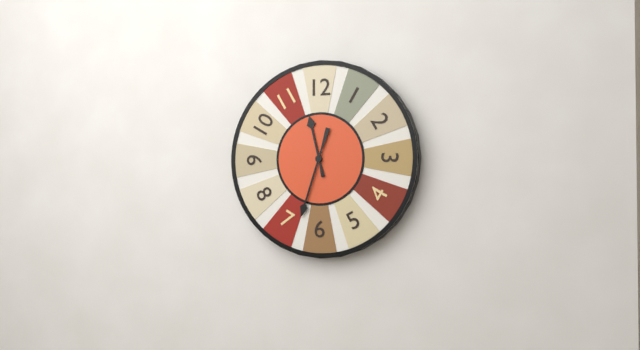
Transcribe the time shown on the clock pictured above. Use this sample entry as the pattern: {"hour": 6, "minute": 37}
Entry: {"hour": 11, "minute": 33}
